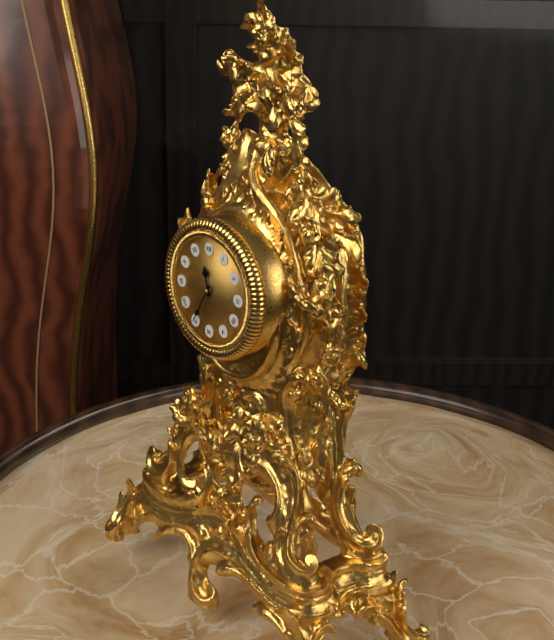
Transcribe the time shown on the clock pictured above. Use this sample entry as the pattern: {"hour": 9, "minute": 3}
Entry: {"hour": 11, "minute": 35}
